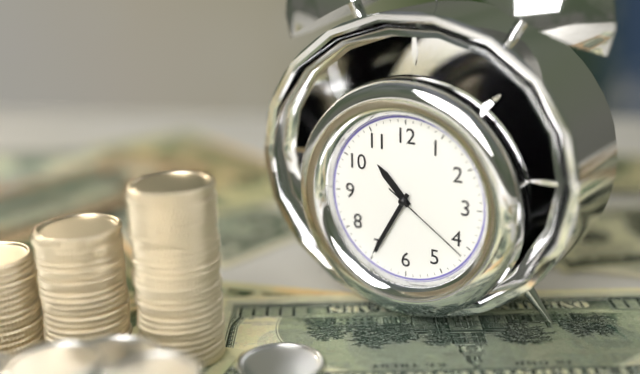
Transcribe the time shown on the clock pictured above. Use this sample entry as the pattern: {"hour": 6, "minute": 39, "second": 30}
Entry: {"hour": 10, "minute": 35, "second": 21}
